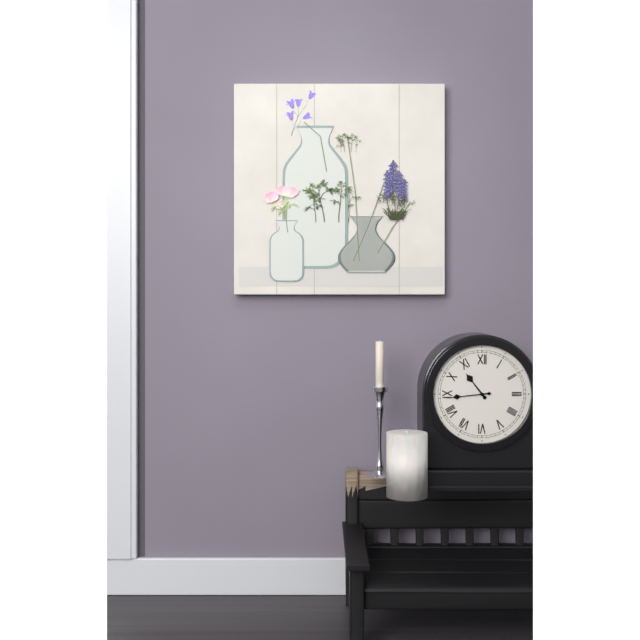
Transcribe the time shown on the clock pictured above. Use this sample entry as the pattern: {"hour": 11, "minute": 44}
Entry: {"hour": 10, "minute": 44}
